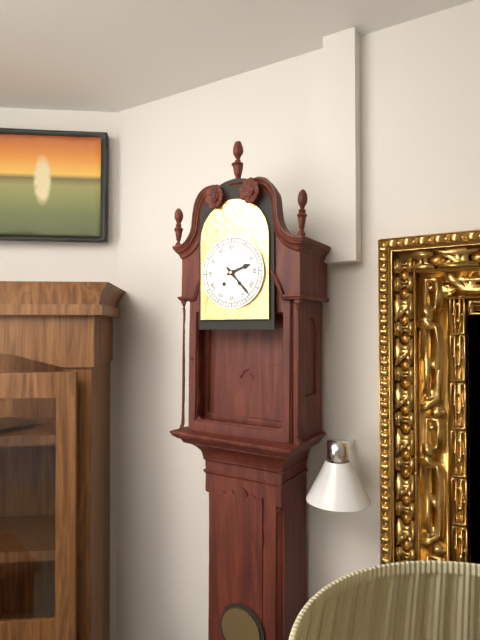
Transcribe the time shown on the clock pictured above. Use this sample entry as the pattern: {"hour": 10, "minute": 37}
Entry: {"hour": 2, "minute": 23}
